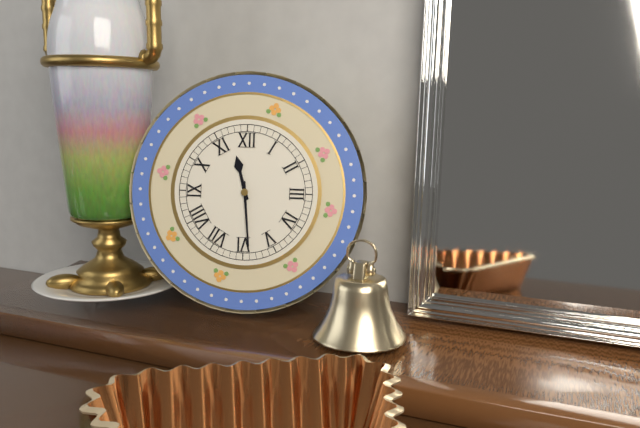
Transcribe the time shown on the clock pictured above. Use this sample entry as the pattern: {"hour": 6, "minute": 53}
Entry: {"hour": 11, "minute": 29}
